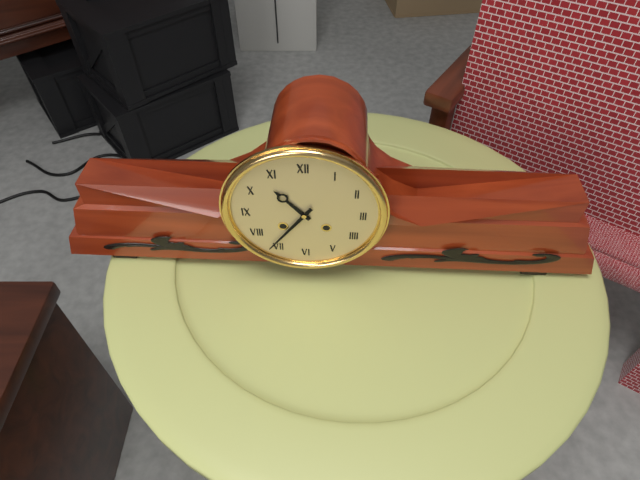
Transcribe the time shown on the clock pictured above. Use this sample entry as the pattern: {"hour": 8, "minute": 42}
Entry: {"hour": 10, "minute": 36}
